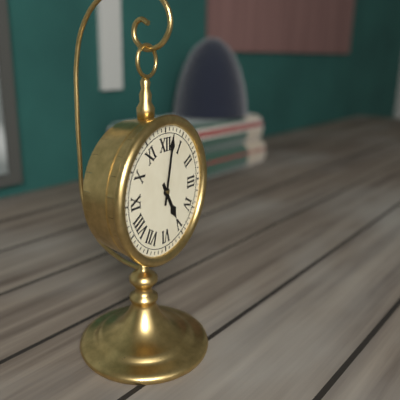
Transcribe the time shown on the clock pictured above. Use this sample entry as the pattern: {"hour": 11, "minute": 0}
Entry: {"hour": 5, "minute": 2}
